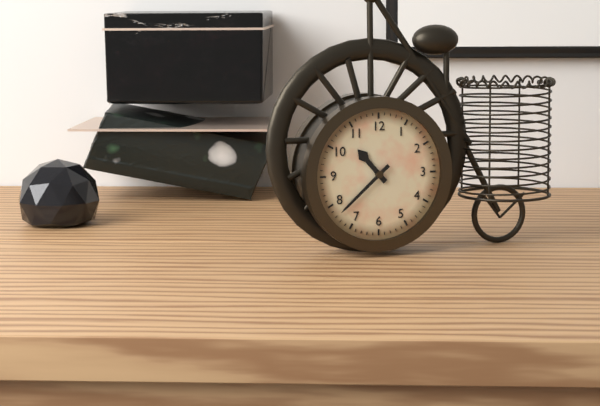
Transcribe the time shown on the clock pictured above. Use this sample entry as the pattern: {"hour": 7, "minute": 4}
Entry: {"hour": 10, "minute": 38}
